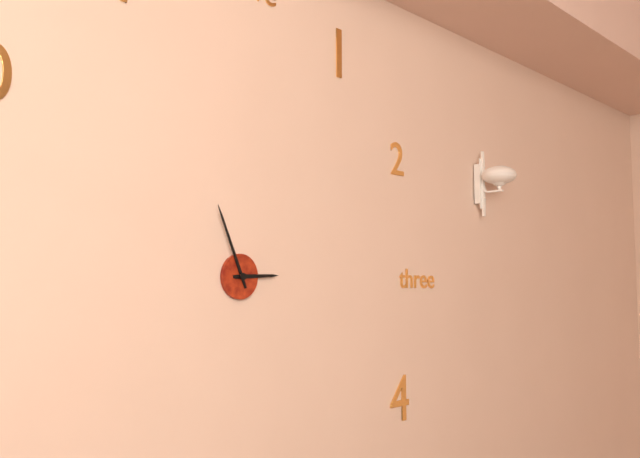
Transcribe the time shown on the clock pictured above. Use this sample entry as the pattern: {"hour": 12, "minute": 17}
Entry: {"hour": 2, "minute": 56}
